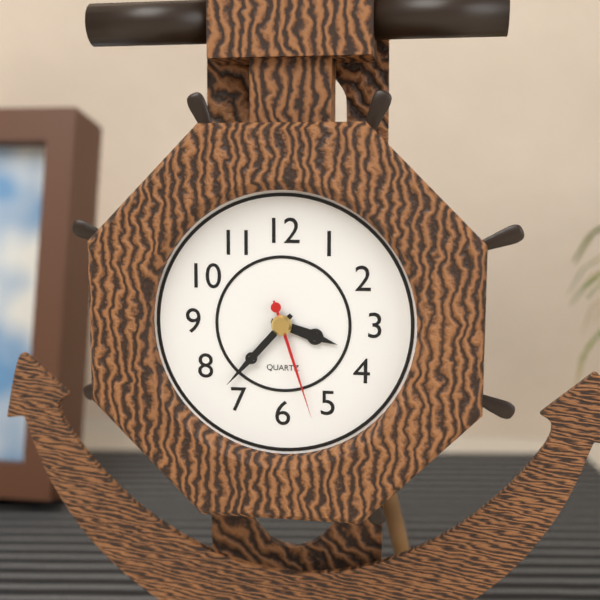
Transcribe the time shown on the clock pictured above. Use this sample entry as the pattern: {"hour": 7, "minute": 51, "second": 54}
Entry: {"hour": 3, "minute": 37, "second": 27}
